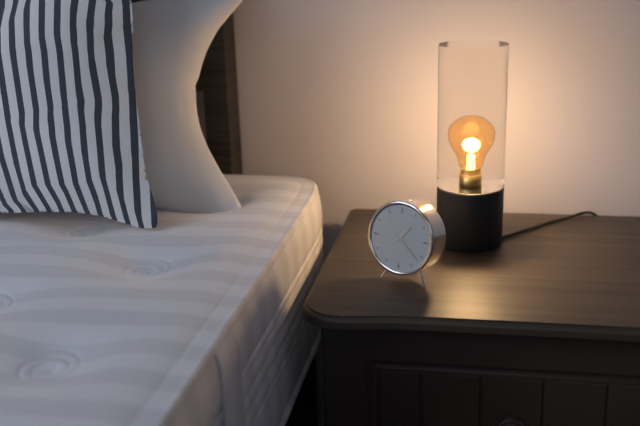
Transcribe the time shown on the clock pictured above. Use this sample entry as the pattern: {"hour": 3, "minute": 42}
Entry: {"hour": 1, "minute": 22}
